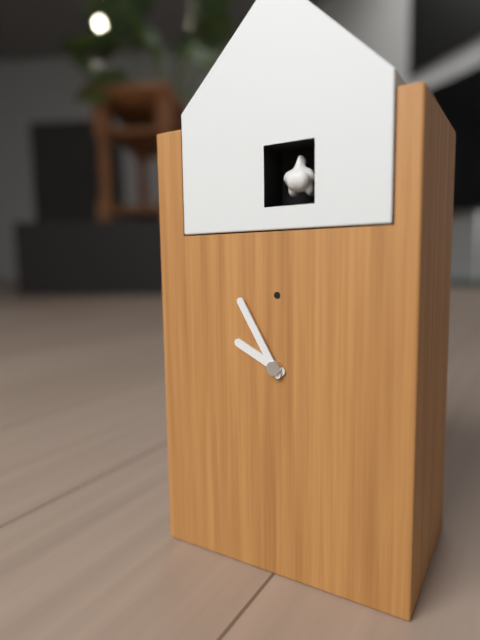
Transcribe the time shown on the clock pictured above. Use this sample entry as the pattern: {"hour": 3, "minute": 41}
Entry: {"hour": 9, "minute": 55}
